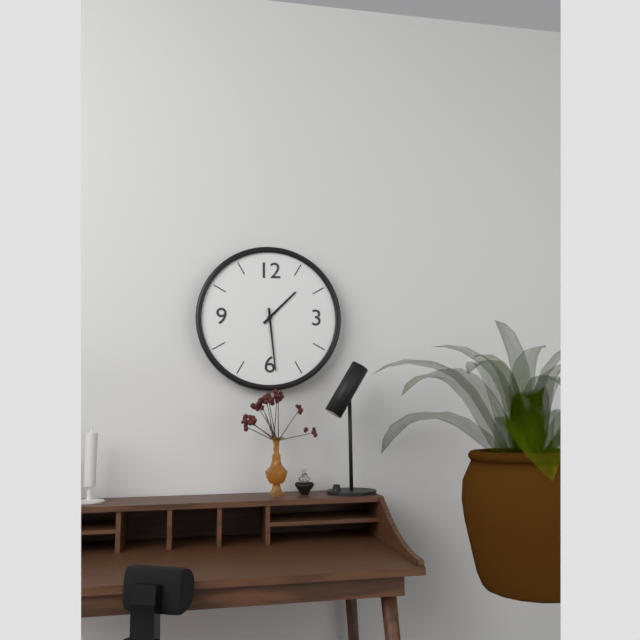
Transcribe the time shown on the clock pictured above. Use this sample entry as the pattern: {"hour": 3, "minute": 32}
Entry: {"hour": 1, "minute": 29}
